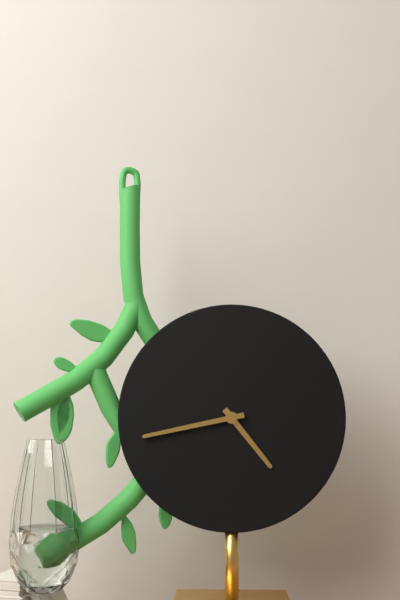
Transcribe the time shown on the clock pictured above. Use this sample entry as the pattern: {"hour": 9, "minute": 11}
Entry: {"hour": 4, "minute": 43}
